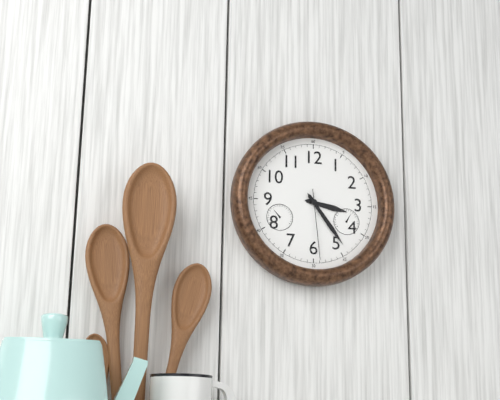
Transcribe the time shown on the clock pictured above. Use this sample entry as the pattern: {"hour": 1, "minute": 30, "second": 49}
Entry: {"hour": 3, "minute": 24, "second": 29}
